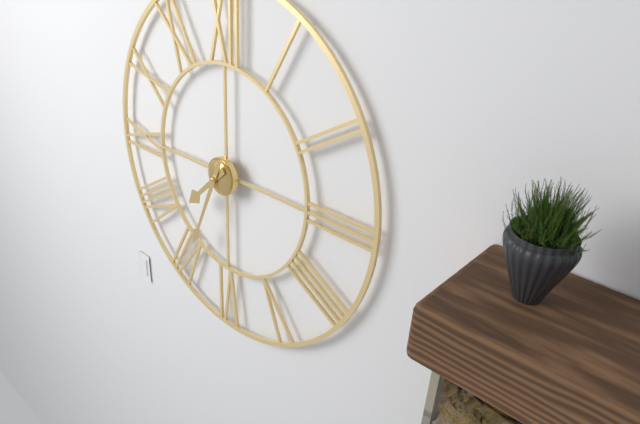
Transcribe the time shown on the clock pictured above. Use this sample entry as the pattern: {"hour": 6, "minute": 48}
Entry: {"hour": 7, "minute": 34}
